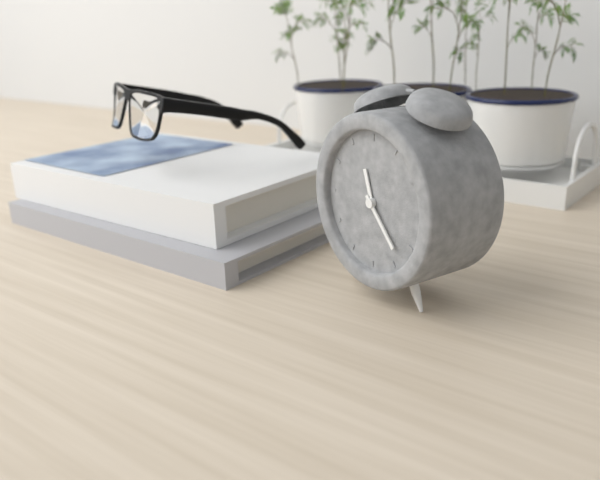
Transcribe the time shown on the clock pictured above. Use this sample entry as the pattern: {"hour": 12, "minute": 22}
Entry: {"hour": 11, "minute": 23}
